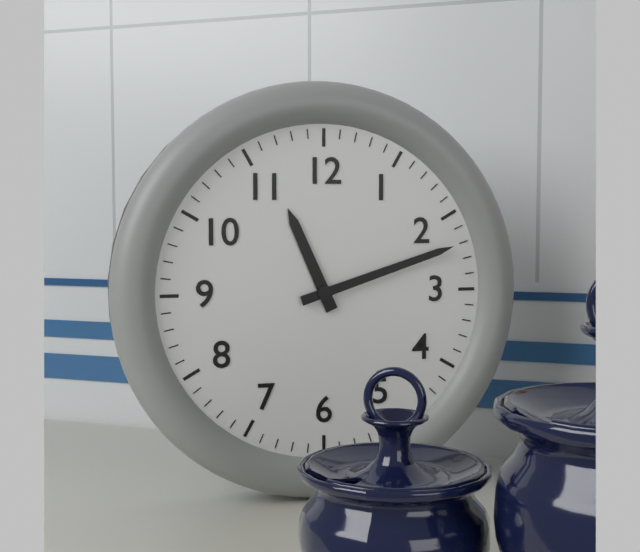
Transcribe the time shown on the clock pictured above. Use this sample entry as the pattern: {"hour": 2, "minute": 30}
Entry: {"hour": 11, "minute": 12}
